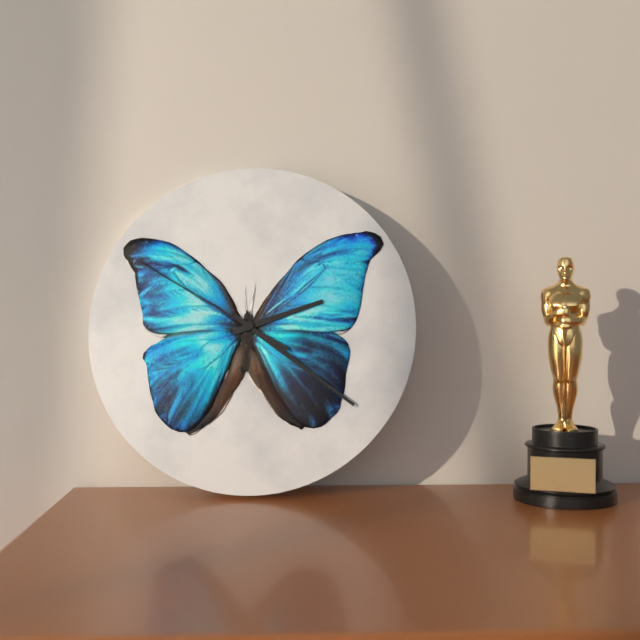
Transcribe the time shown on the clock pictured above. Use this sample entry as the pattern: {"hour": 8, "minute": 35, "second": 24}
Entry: {"hour": 2, "minute": 21, "second": 50}
